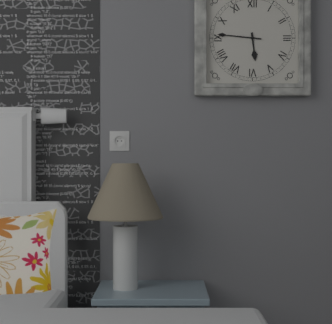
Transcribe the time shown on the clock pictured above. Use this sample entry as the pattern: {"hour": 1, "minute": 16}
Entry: {"hour": 5, "minute": 46}
